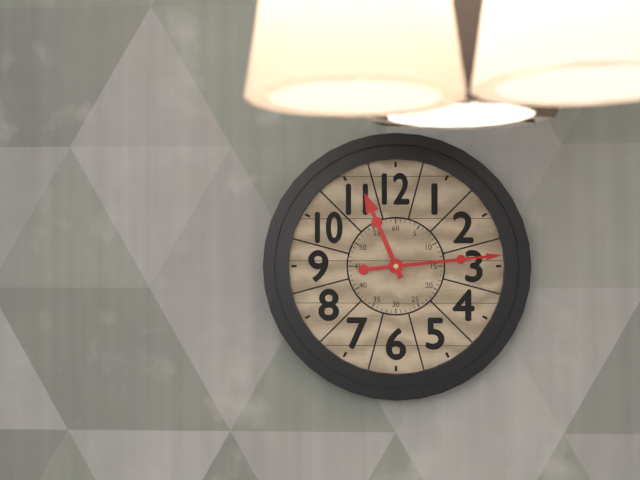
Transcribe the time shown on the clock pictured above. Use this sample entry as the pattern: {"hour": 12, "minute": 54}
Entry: {"hour": 11, "minute": 14}
